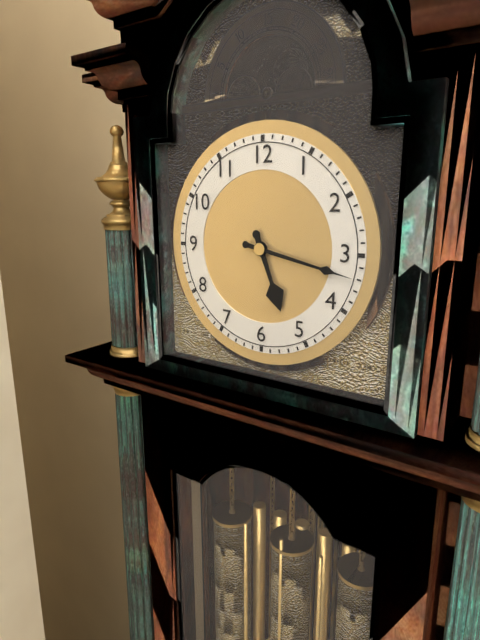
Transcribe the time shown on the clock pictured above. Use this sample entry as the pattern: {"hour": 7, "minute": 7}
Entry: {"hour": 5, "minute": 17}
